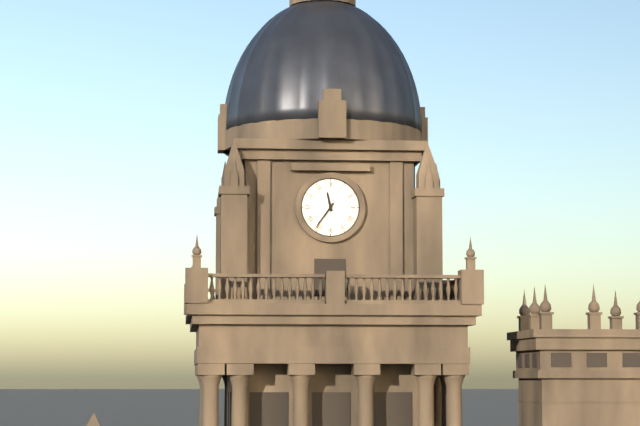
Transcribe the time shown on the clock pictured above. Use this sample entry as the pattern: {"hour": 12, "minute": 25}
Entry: {"hour": 11, "minute": 36}
